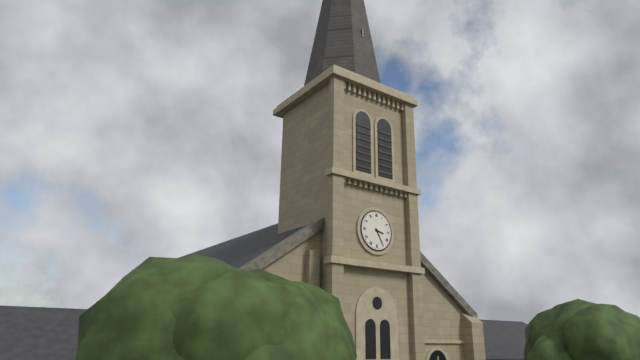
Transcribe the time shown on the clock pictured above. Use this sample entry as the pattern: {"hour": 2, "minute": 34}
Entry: {"hour": 3, "minute": 25}
